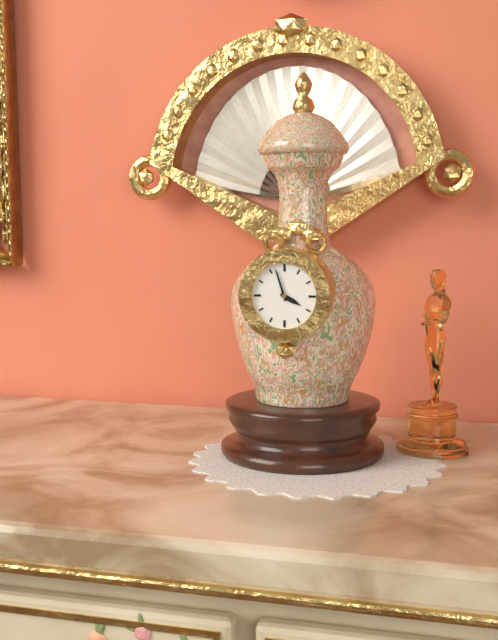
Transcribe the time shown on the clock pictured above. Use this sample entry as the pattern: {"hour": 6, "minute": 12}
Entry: {"hour": 3, "minute": 57}
